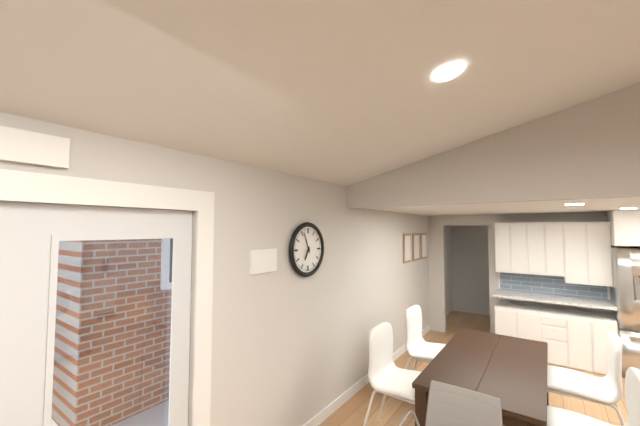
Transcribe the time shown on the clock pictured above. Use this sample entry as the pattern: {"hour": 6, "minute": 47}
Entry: {"hour": 6, "minute": 56}
